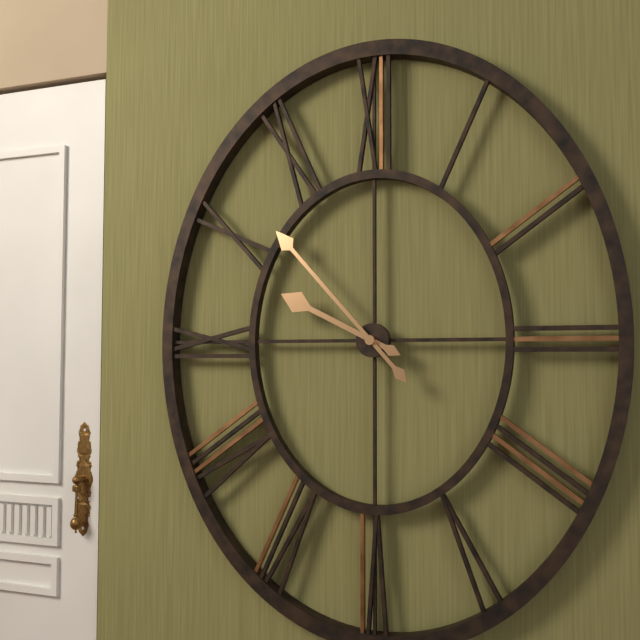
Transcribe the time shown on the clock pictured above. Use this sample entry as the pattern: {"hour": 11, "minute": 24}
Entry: {"hour": 9, "minute": 53}
